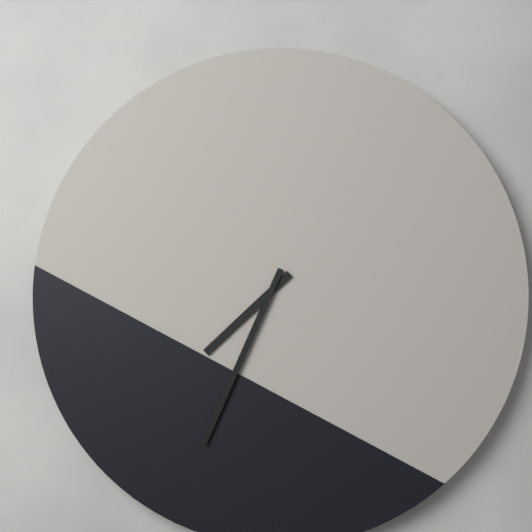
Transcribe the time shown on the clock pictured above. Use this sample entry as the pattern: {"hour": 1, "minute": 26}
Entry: {"hour": 7, "minute": 34}
